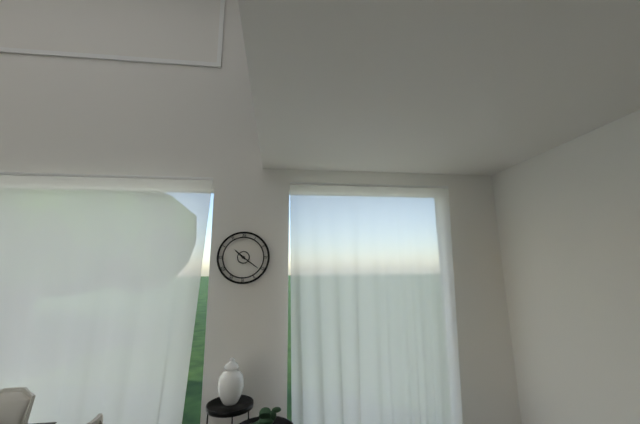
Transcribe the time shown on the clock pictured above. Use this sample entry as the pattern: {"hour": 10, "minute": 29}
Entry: {"hour": 10, "minute": 21}
